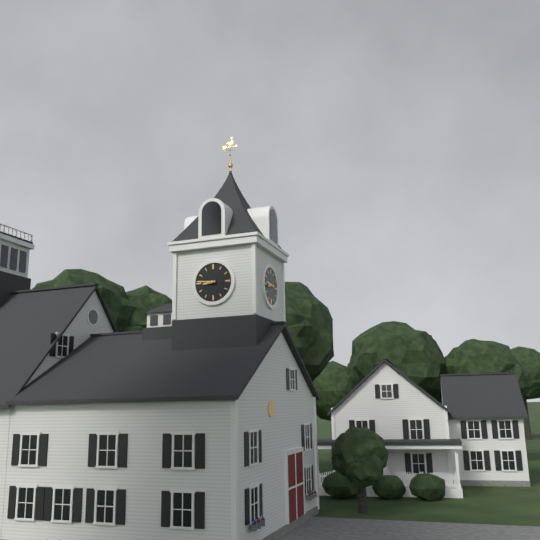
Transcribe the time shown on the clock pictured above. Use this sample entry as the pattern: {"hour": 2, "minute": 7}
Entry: {"hour": 8, "minute": 46}
